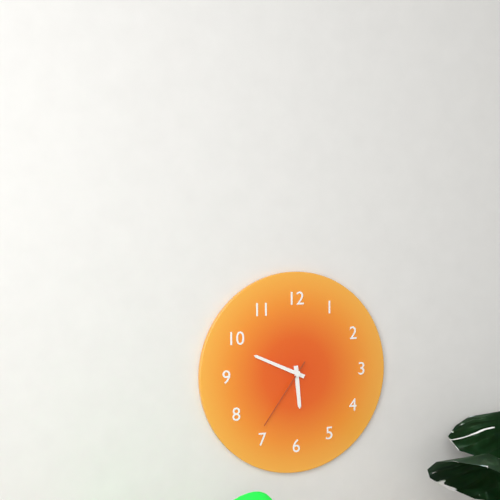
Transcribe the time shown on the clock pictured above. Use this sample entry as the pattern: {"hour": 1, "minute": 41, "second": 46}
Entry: {"hour": 5, "minute": 49, "second": 36}
